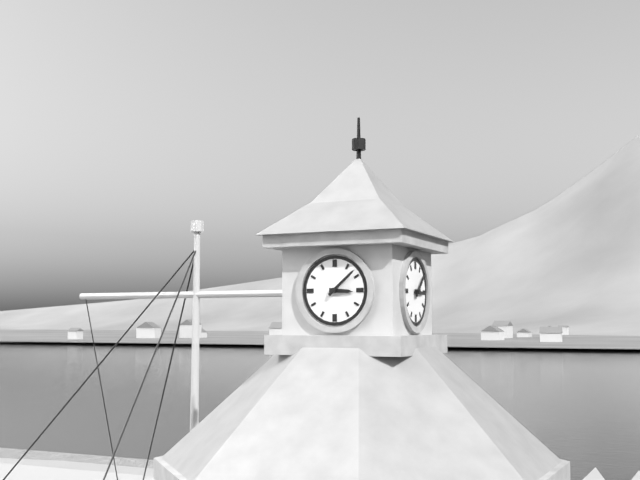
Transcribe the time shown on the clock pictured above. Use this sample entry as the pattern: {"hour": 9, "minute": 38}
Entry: {"hour": 3, "minute": 8}
